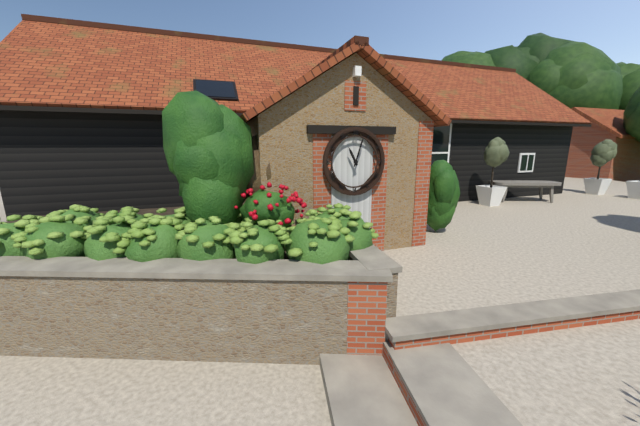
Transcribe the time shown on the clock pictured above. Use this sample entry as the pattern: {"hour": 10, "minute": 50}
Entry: {"hour": 11, "minute": 3}
